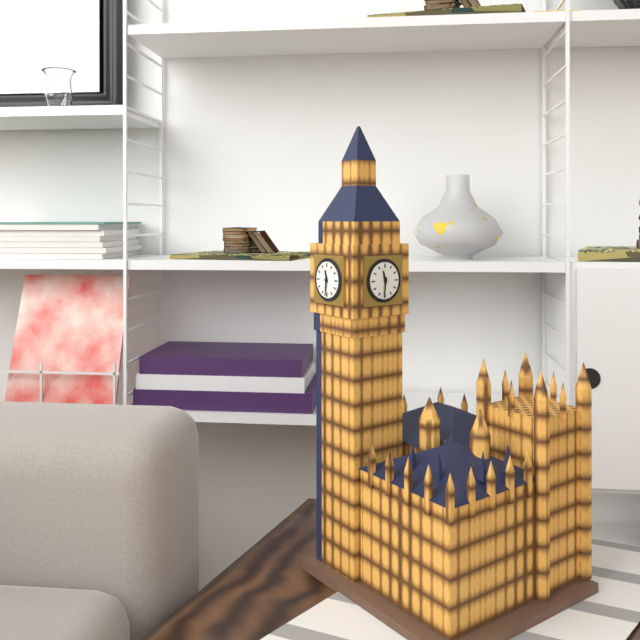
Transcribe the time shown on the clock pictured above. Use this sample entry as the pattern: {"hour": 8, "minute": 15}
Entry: {"hour": 11, "minute": 31}
